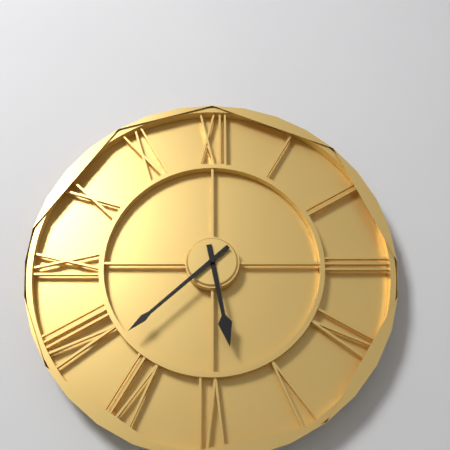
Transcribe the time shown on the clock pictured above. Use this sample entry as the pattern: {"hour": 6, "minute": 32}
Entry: {"hour": 5, "minute": 38}
